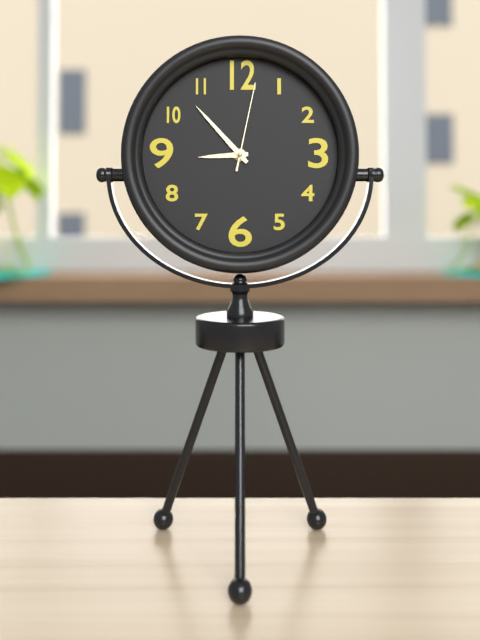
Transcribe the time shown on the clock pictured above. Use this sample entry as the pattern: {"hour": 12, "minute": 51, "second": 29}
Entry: {"hour": 8, "minute": 53, "second": 2}
